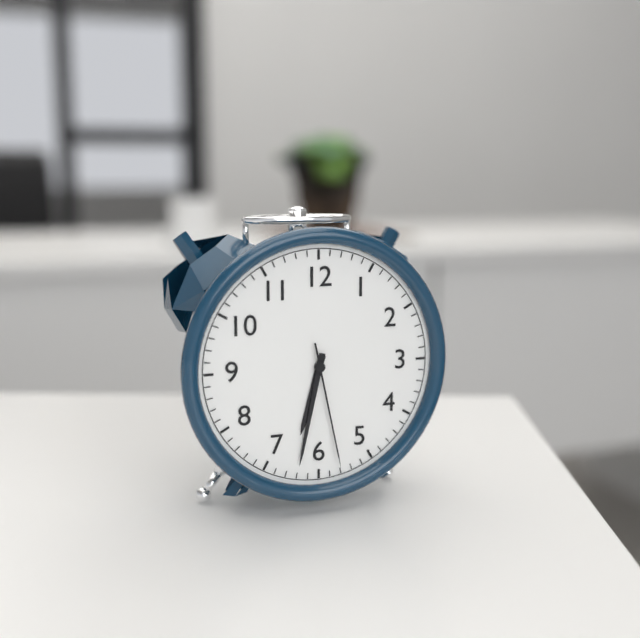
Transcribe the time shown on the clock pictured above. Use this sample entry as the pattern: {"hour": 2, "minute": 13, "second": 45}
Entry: {"hour": 6, "minute": 32, "second": 28}
